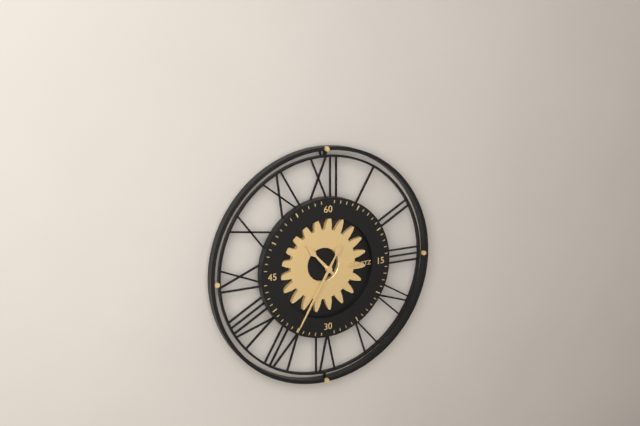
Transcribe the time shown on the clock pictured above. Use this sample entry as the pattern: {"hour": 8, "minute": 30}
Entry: {"hour": 10, "minute": 35}
